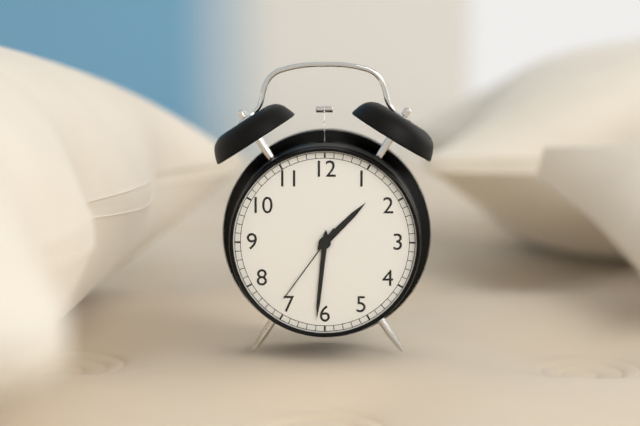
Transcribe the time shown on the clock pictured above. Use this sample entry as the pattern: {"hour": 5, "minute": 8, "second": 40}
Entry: {"hour": 1, "minute": 31, "second": 36}
